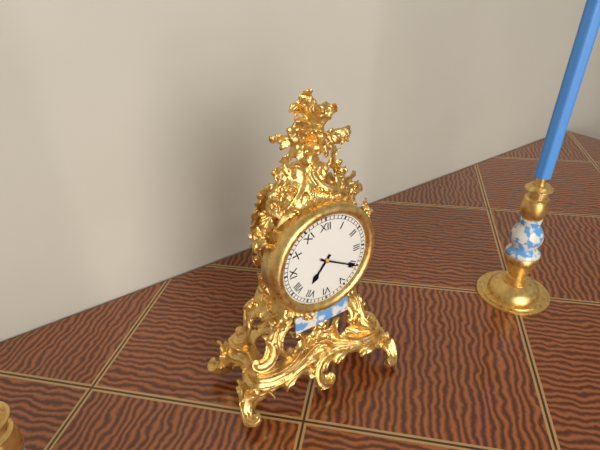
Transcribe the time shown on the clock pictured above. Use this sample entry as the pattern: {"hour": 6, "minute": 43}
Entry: {"hour": 7, "minute": 20}
